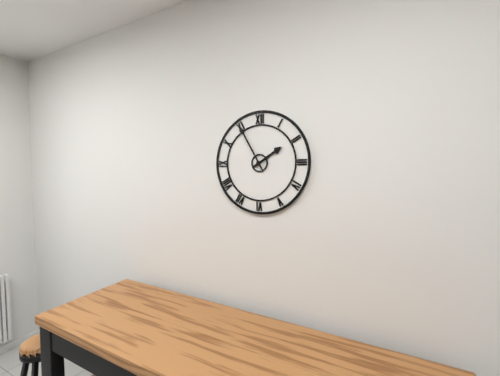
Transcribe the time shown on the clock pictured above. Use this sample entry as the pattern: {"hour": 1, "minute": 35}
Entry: {"hour": 1, "minute": 55}
